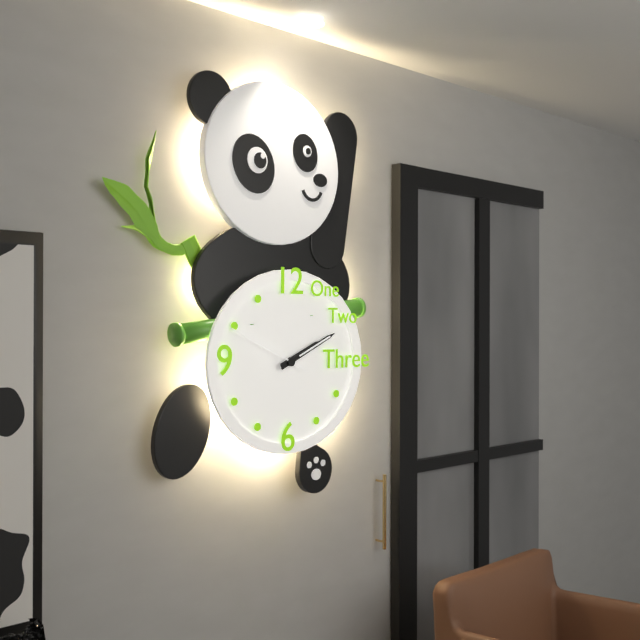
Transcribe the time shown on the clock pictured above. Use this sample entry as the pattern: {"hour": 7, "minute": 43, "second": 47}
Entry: {"hour": 2, "minute": 11, "second": 49}
